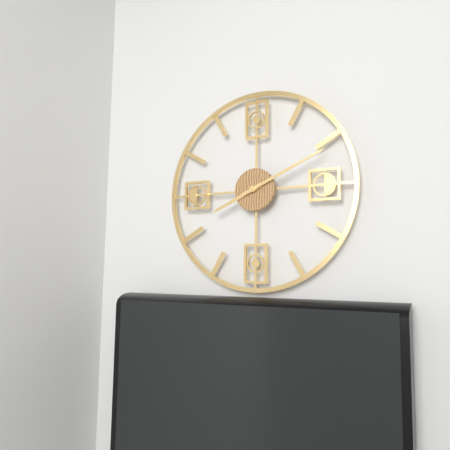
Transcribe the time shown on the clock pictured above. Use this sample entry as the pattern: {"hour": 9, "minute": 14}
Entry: {"hour": 8, "minute": 11}
